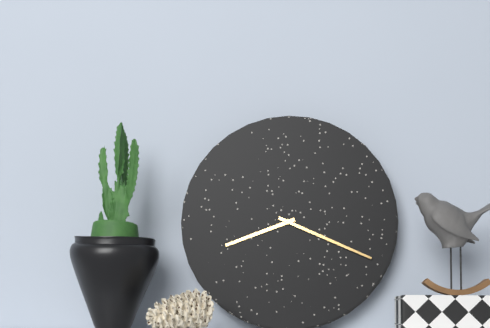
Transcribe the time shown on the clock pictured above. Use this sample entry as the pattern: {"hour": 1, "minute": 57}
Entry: {"hour": 8, "minute": 19}
